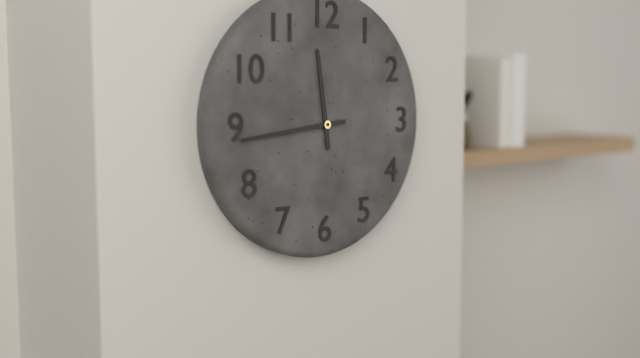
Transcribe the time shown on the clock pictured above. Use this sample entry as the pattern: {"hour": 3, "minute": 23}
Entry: {"hour": 11, "minute": 44}
